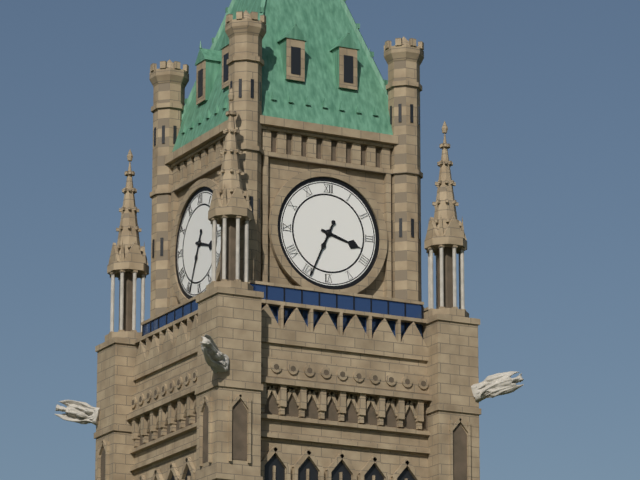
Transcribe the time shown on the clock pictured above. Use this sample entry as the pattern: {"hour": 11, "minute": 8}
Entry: {"hour": 3, "minute": 34}
